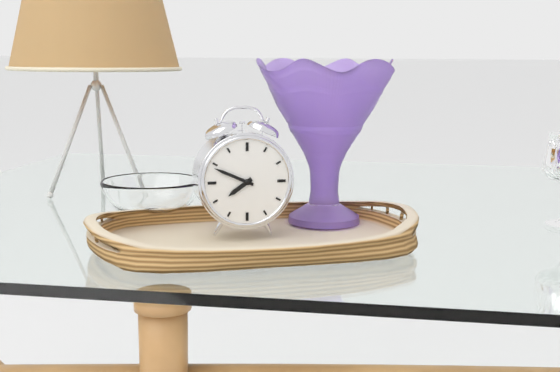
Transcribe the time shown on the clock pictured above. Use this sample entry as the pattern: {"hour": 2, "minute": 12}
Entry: {"hour": 7, "minute": 49}
